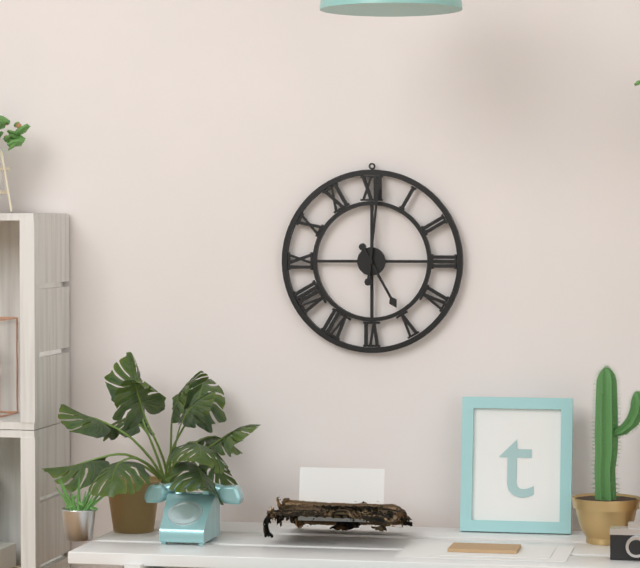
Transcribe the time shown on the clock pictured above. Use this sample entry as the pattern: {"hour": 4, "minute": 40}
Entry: {"hour": 5, "minute": 1}
